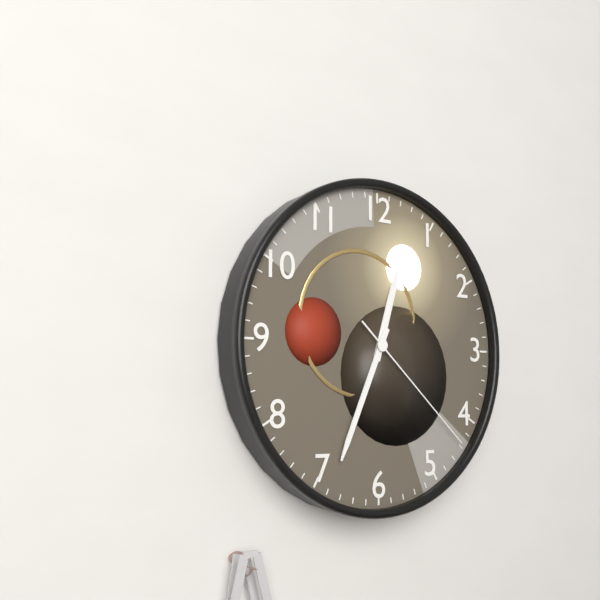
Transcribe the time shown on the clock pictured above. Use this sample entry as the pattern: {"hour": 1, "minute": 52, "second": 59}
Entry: {"hour": 12, "minute": 34, "second": 22}
